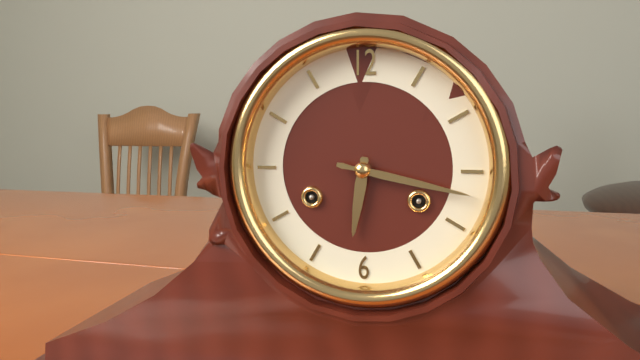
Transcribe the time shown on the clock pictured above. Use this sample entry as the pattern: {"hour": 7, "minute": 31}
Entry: {"hour": 6, "minute": 17}
